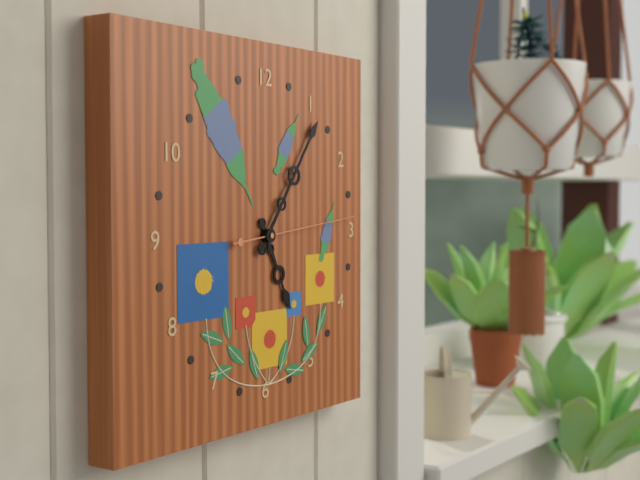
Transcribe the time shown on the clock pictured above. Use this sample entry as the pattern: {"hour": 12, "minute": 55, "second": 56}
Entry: {"hour": 5, "minute": 6, "second": 14}
